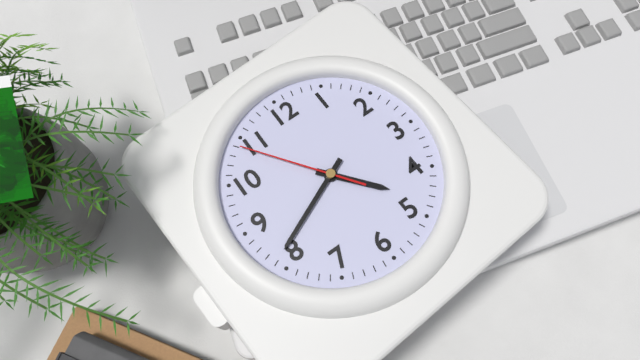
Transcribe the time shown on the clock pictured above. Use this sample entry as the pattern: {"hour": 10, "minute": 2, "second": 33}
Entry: {"hour": 4, "minute": 41, "second": 54}
